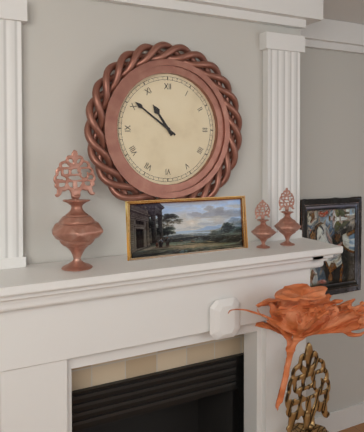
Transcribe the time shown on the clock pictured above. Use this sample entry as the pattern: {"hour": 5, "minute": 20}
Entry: {"hour": 10, "minute": 51}
